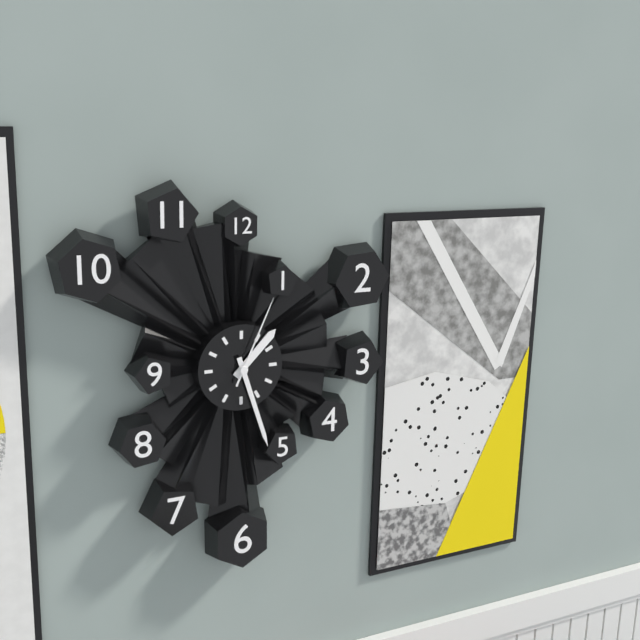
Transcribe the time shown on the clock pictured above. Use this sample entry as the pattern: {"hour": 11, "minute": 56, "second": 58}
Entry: {"hour": 1, "minute": 27, "second": 4}
